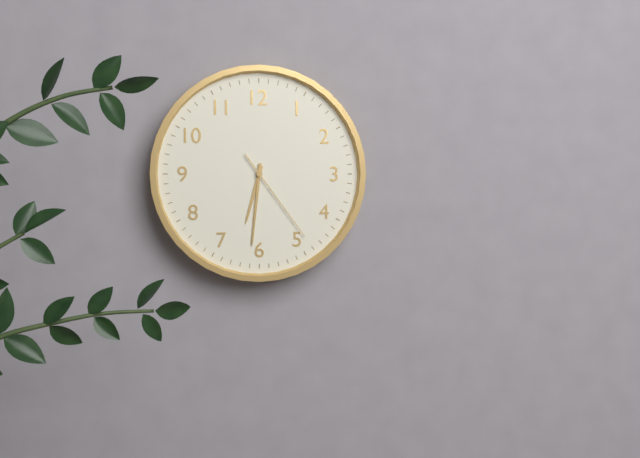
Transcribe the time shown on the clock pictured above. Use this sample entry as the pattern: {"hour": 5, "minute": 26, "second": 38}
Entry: {"hour": 6, "minute": 31, "second": 24}
